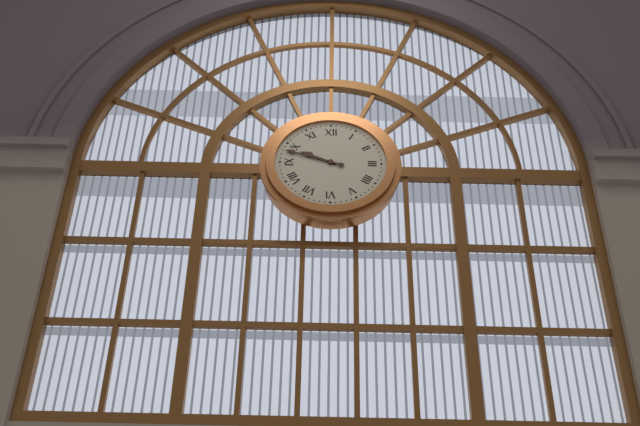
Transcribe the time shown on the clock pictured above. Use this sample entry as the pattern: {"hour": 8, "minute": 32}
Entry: {"hour": 9, "minute": 48}
